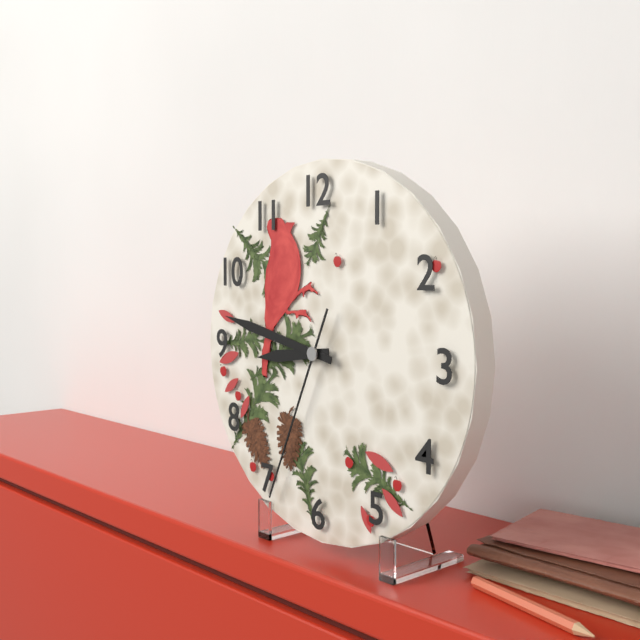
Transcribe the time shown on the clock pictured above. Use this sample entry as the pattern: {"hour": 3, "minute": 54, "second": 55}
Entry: {"hour": 8, "minute": 47, "second": 34}
